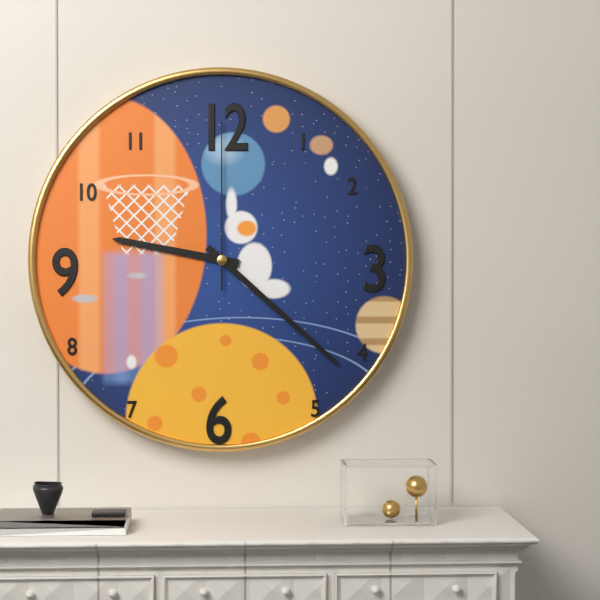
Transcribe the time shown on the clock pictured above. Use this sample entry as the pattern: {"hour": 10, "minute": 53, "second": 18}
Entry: {"hour": 9, "minute": 22, "second": 0}
